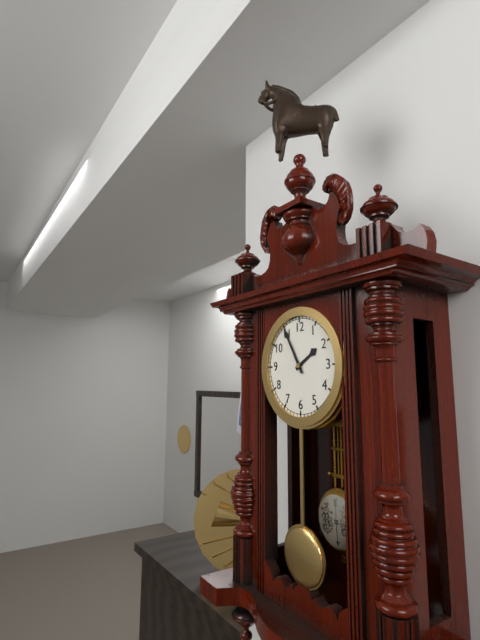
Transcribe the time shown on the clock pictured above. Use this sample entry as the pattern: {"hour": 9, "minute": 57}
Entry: {"hour": 1, "minute": 55}
